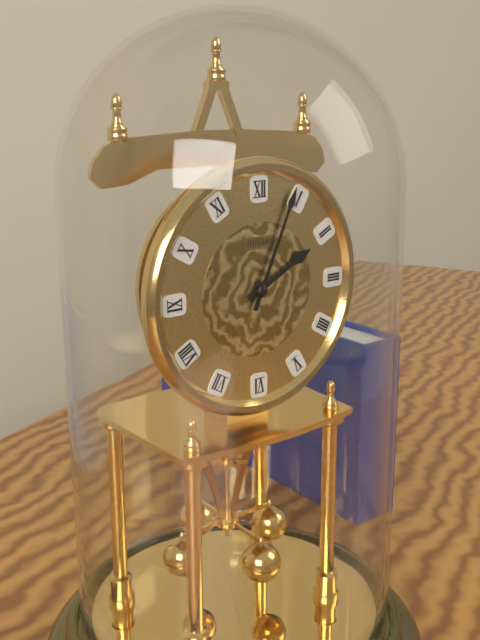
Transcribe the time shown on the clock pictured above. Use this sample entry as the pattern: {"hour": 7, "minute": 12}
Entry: {"hour": 2, "minute": 4}
